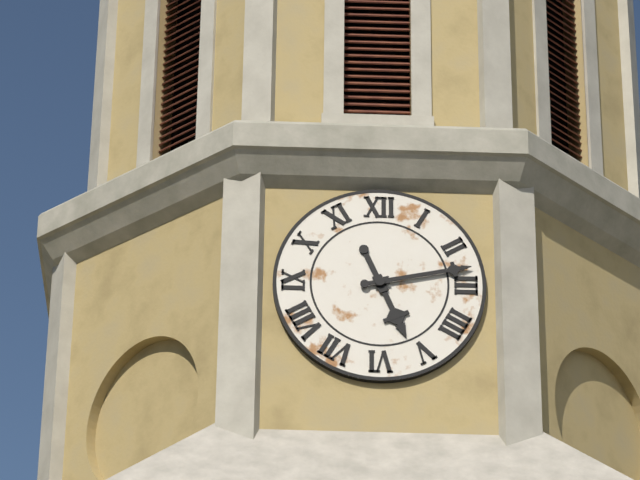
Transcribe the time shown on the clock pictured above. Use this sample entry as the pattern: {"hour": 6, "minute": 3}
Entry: {"hour": 5, "minute": 13}
